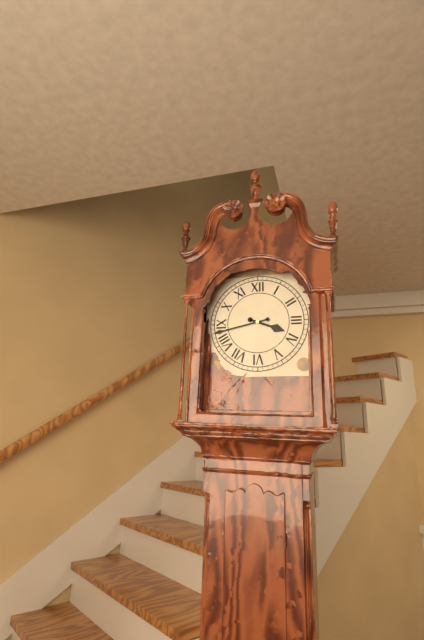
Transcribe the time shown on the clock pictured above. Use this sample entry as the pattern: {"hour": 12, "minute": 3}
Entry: {"hour": 3, "minute": 43}
